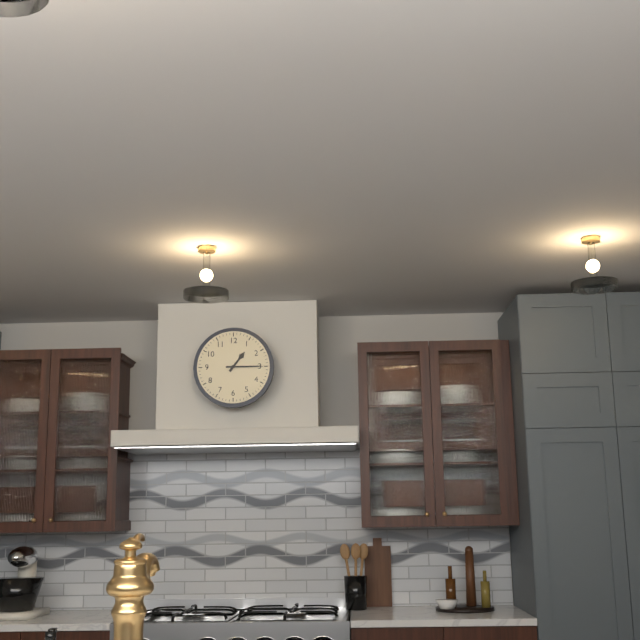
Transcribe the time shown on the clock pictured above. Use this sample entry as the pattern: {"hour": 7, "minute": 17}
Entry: {"hour": 1, "minute": 15}
